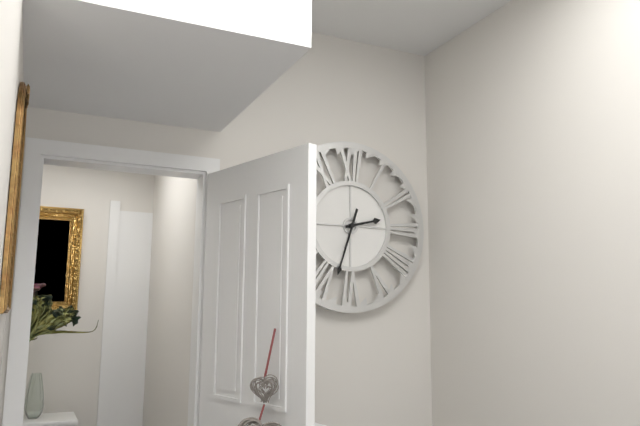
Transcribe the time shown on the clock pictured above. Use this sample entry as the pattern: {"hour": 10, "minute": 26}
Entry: {"hour": 2, "minute": 33}
